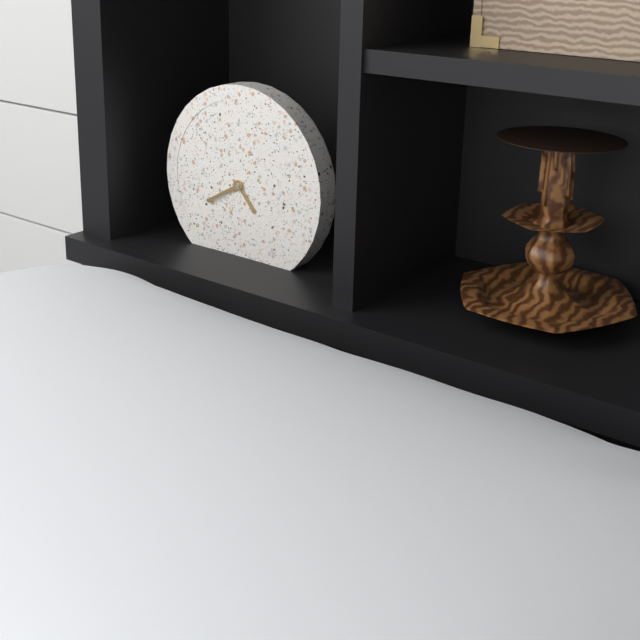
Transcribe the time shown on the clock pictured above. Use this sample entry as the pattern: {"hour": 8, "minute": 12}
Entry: {"hour": 4, "minute": 40}
